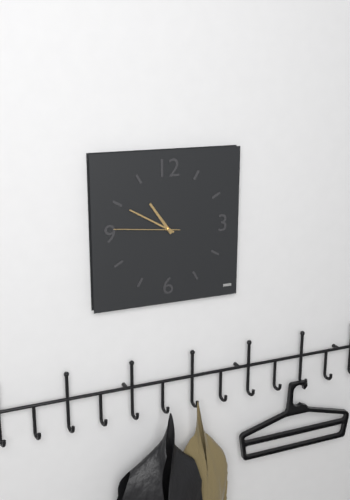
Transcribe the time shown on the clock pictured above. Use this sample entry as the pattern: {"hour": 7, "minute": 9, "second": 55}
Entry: {"hour": 10, "minute": 50, "second": 46}
